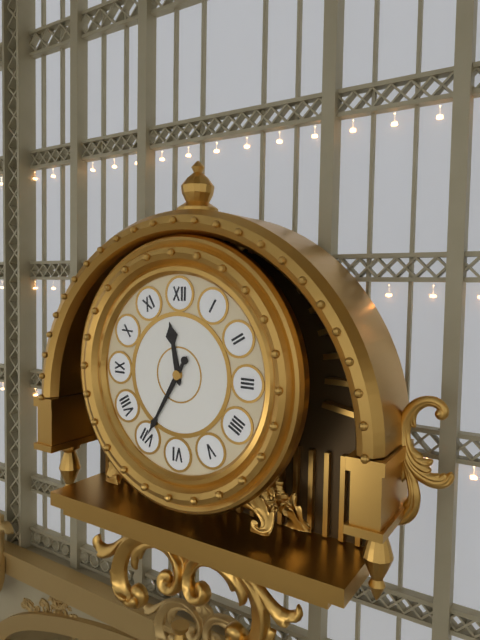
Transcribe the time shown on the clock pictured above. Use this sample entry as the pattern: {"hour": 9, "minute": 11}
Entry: {"hour": 11, "minute": 35}
